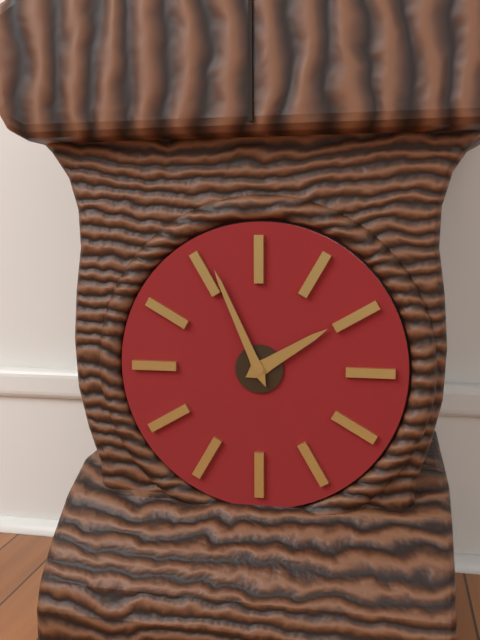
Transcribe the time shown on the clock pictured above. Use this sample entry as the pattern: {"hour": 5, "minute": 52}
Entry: {"hour": 1, "minute": 56}
